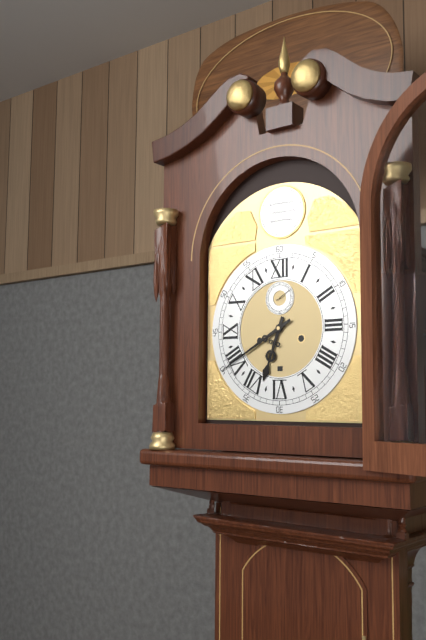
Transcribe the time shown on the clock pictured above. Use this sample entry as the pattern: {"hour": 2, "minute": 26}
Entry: {"hour": 6, "minute": 40}
